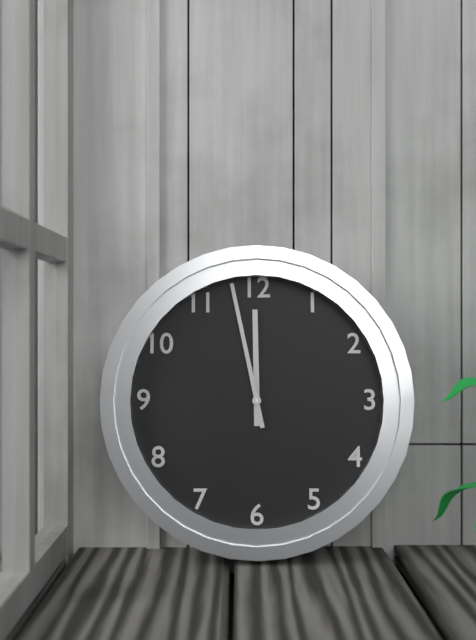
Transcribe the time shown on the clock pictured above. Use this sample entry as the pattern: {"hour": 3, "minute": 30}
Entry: {"hour": 11, "minute": 58}
